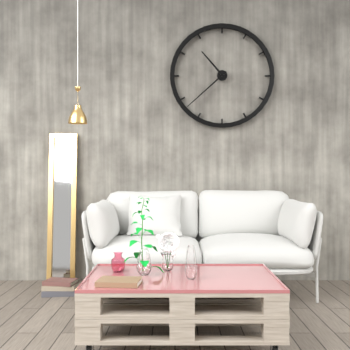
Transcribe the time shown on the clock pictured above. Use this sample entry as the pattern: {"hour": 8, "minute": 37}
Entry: {"hour": 10, "minute": 38}
